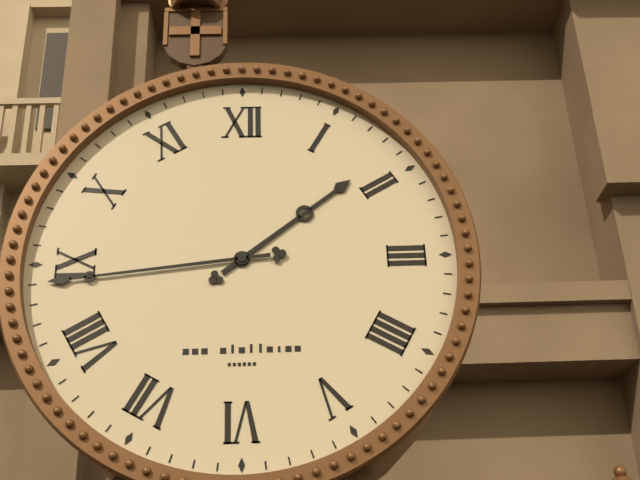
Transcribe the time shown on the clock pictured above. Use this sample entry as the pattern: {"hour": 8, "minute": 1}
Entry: {"hour": 1, "minute": 44}
